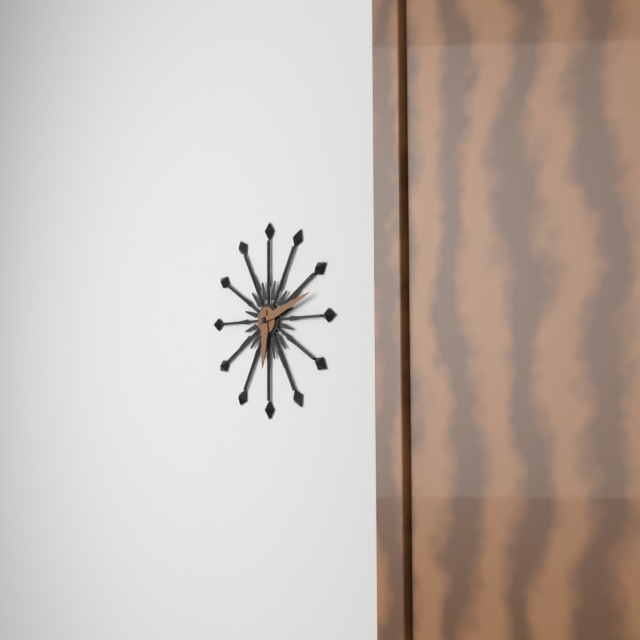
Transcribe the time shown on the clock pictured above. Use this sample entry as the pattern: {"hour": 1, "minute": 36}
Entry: {"hour": 6, "minute": 12}
